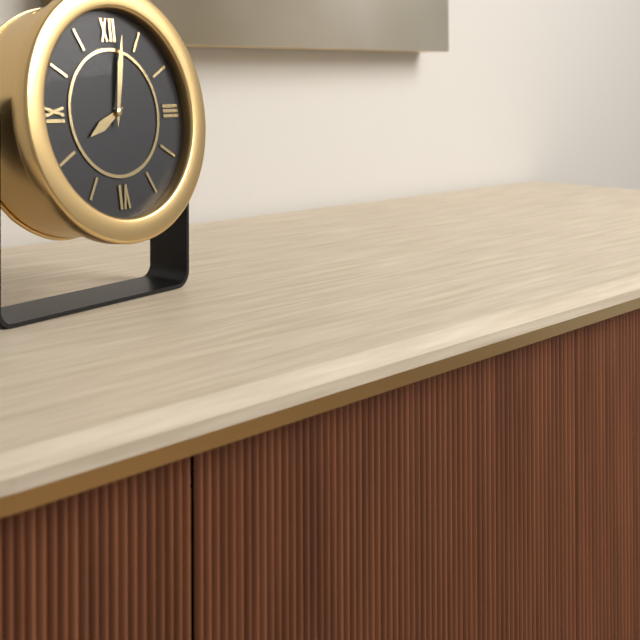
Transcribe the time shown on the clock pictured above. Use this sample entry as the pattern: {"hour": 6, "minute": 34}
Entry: {"hour": 8, "minute": 2}
